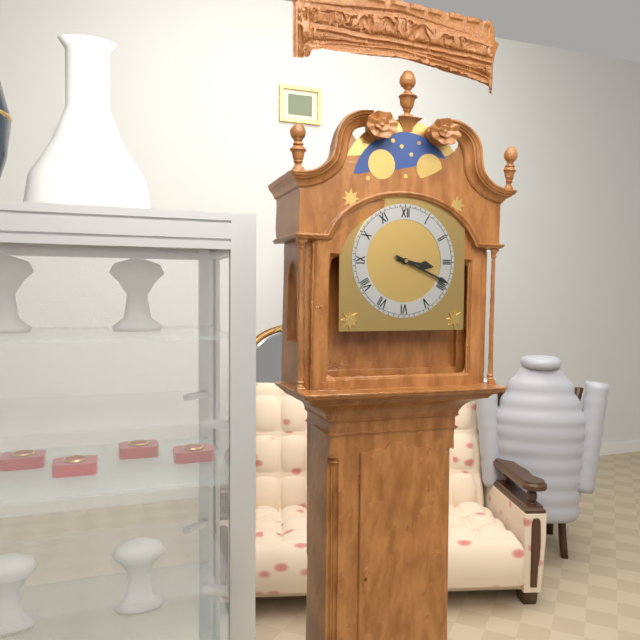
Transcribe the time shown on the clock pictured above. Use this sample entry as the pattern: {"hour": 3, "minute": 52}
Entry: {"hour": 3, "minute": 19}
